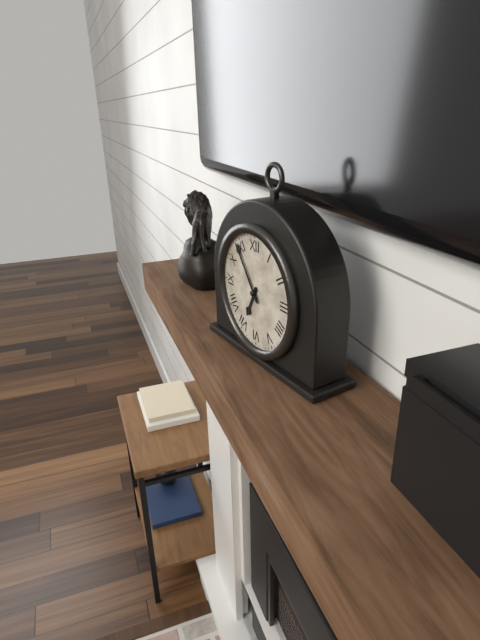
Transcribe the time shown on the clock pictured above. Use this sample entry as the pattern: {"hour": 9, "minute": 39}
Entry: {"hour": 6, "minute": 54}
